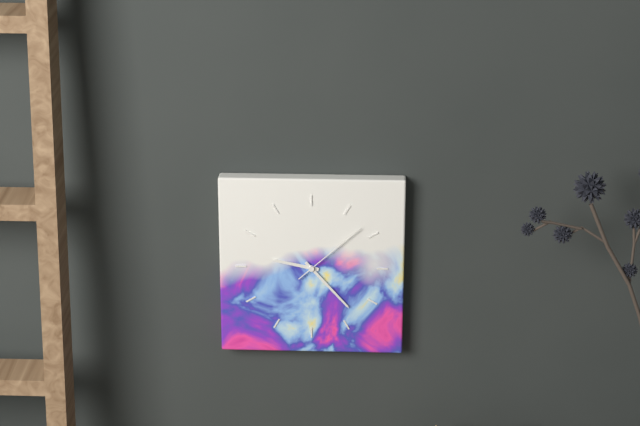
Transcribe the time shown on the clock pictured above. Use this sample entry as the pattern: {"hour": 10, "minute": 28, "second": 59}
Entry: {"hour": 9, "minute": 23, "second": 8}
